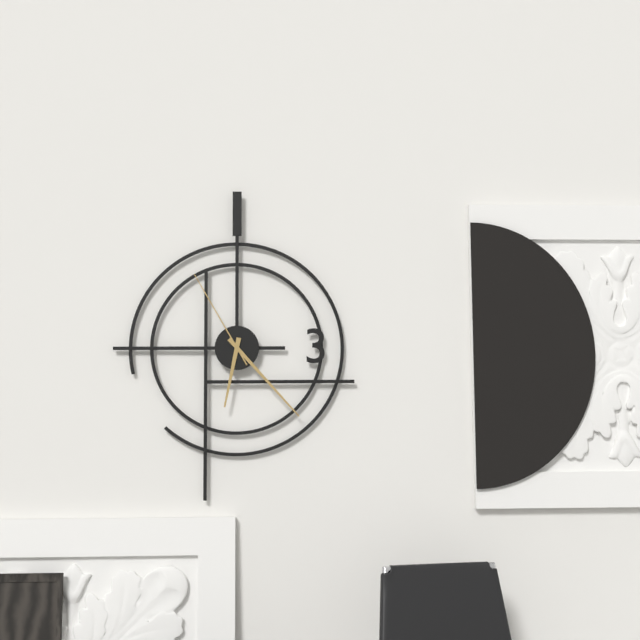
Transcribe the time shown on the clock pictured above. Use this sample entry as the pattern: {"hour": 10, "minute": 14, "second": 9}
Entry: {"hour": 6, "minute": 23, "second": 55}
